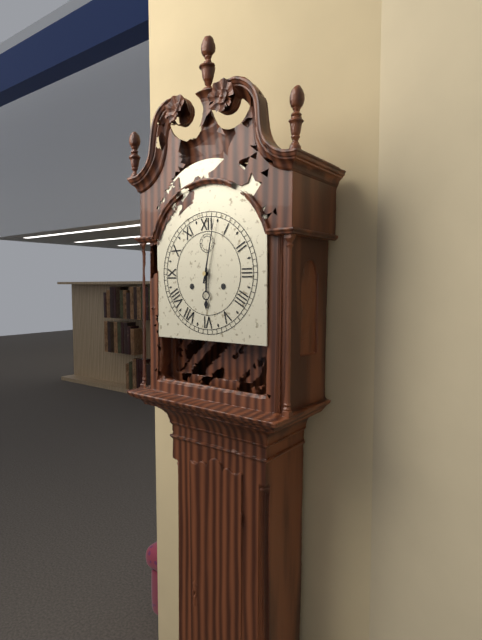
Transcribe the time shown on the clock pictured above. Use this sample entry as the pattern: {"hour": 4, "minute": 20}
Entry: {"hour": 6, "minute": 2}
